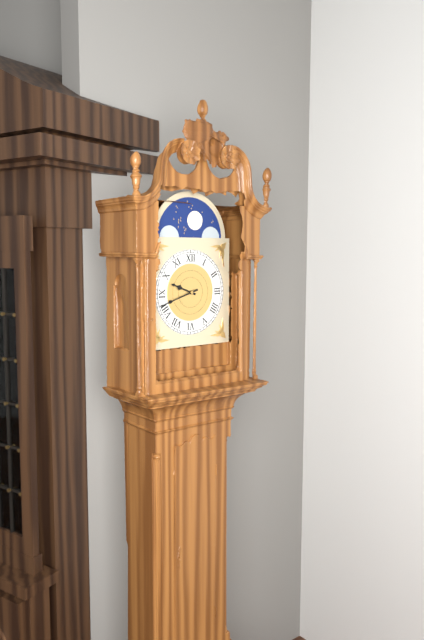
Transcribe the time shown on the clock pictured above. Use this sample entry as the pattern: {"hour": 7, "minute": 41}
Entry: {"hour": 9, "minute": 42}
